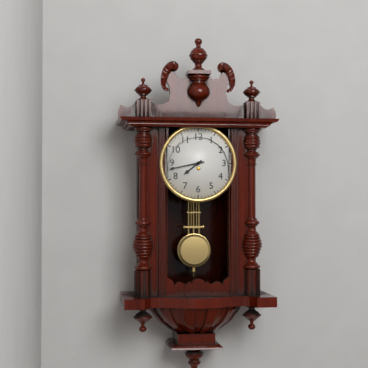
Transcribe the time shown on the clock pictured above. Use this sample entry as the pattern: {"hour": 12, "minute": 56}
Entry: {"hour": 7, "minute": 43}
